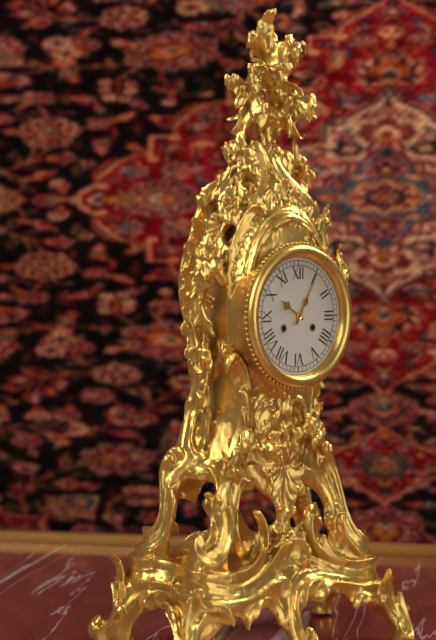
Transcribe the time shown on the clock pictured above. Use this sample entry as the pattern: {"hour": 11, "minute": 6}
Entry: {"hour": 10, "minute": 5}
